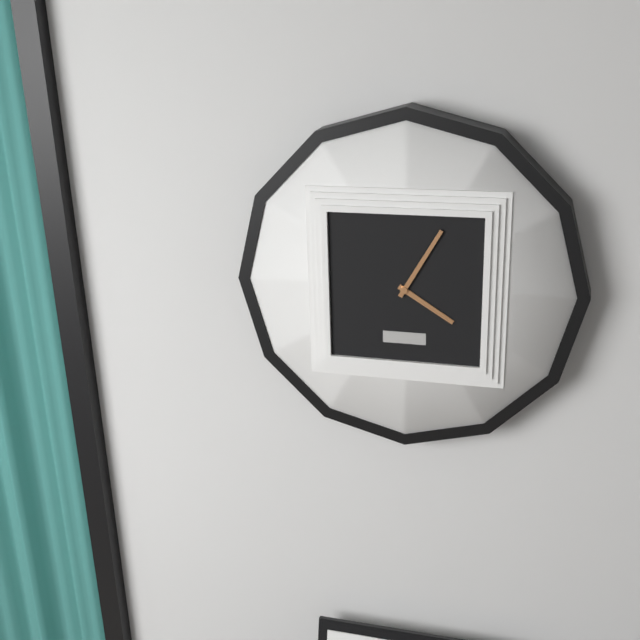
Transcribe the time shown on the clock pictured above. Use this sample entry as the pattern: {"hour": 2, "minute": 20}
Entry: {"hour": 4, "minute": 5}
